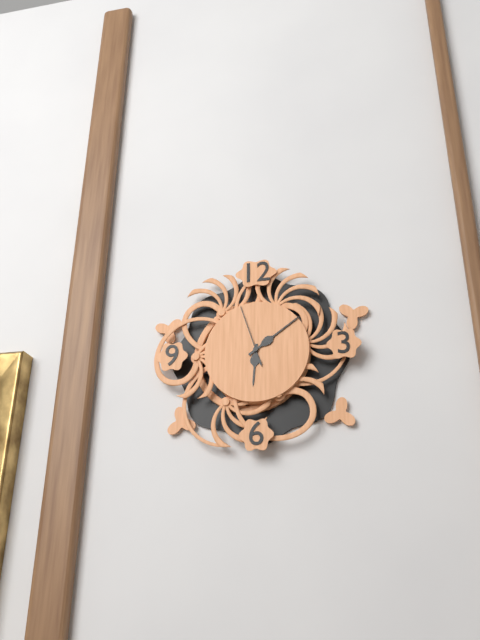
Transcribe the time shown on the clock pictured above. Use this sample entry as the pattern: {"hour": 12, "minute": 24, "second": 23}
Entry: {"hour": 6, "minute": 9, "second": 57}
